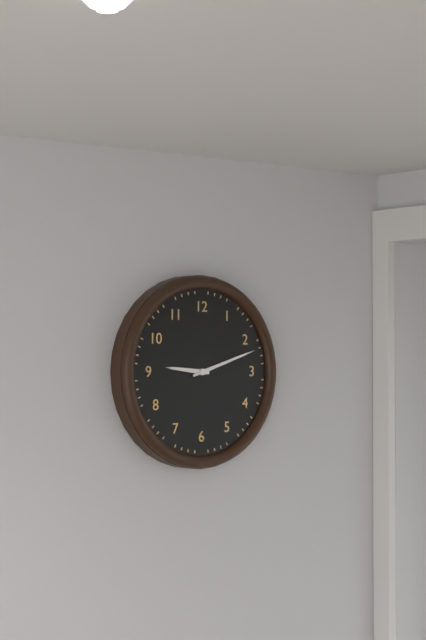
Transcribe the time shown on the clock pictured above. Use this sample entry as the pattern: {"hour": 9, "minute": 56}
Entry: {"hour": 9, "minute": 12}
